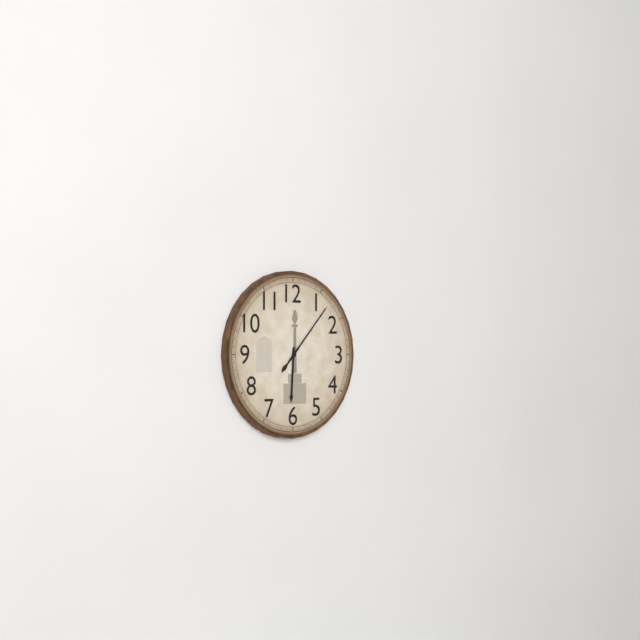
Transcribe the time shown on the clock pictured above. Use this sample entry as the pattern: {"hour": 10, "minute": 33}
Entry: {"hour": 6, "minute": 7}
